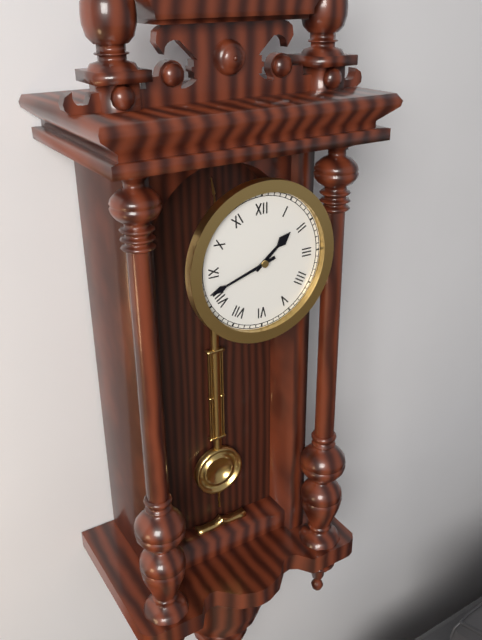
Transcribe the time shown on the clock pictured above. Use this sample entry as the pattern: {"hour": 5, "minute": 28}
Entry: {"hour": 1, "minute": 42}
